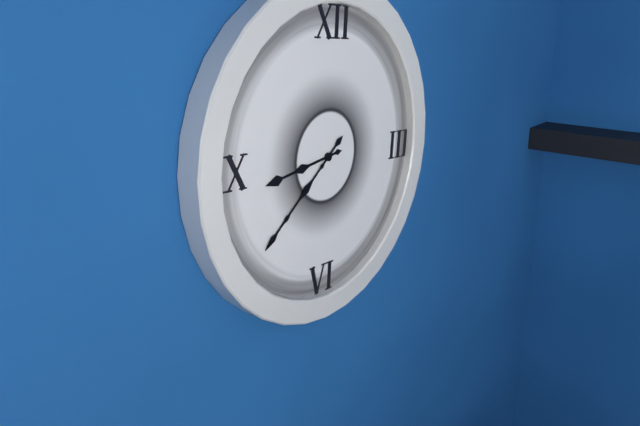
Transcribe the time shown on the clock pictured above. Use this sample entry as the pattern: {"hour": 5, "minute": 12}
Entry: {"hour": 8, "minute": 38}
